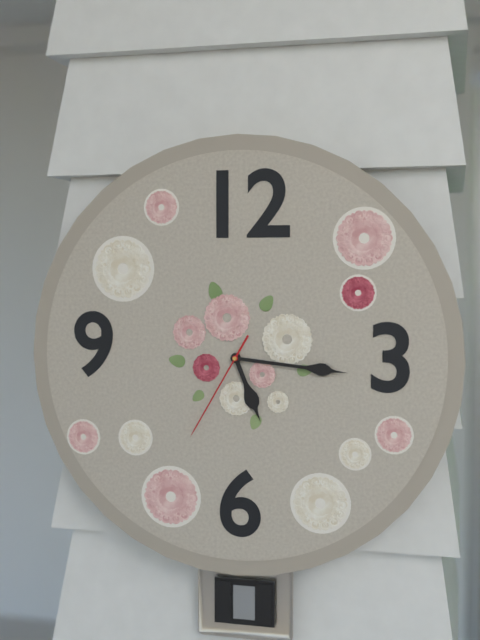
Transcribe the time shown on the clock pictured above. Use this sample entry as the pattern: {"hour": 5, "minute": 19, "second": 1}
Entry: {"hour": 5, "minute": 16, "second": 35}
